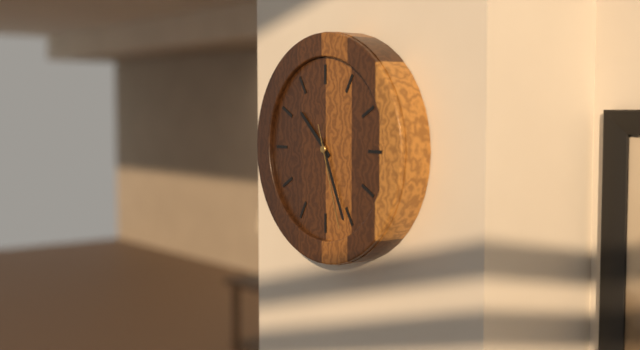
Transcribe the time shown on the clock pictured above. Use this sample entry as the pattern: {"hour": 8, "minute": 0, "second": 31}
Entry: {"hour": 10, "minute": 26, "second": 27}
